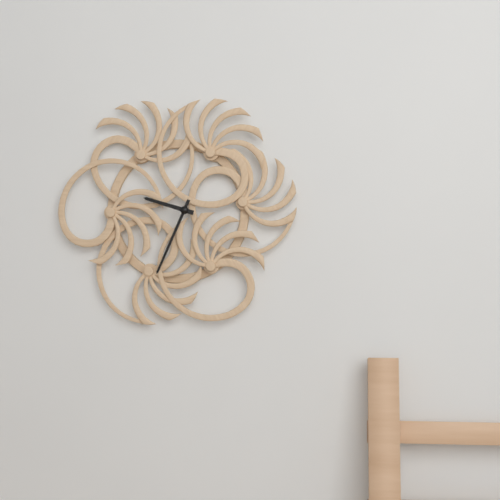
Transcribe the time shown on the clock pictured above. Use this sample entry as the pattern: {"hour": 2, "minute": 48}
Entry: {"hour": 9, "minute": 34}
